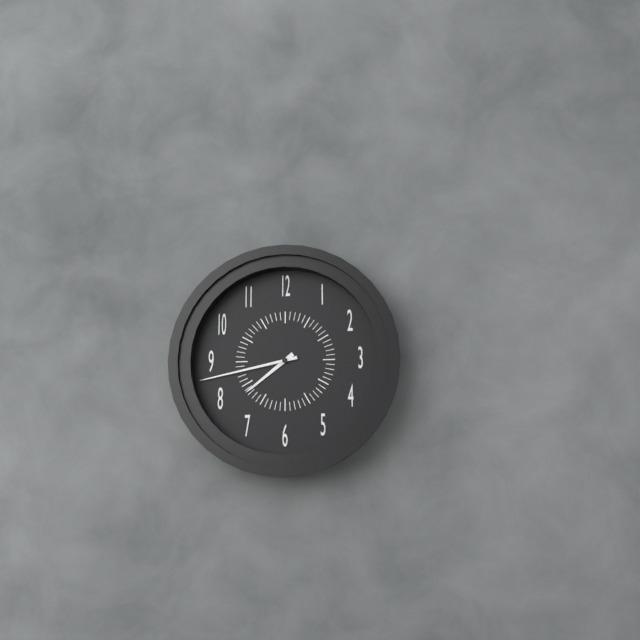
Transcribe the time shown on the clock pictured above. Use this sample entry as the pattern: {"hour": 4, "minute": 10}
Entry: {"hour": 7, "minute": 43}
